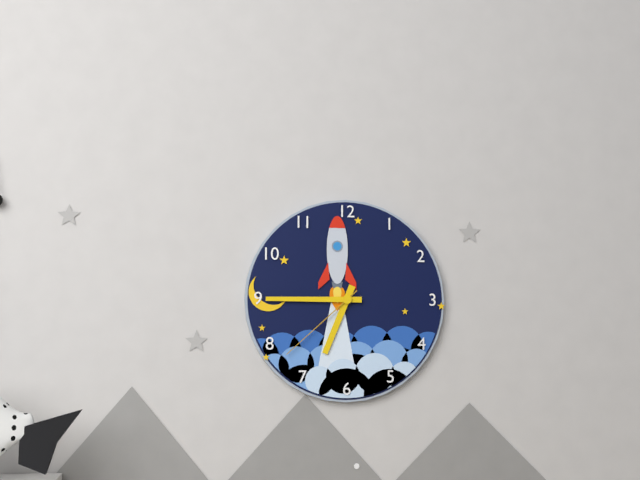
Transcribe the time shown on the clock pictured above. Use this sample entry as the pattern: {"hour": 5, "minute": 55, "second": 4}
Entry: {"hour": 6, "minute": 45, "second": 38}
